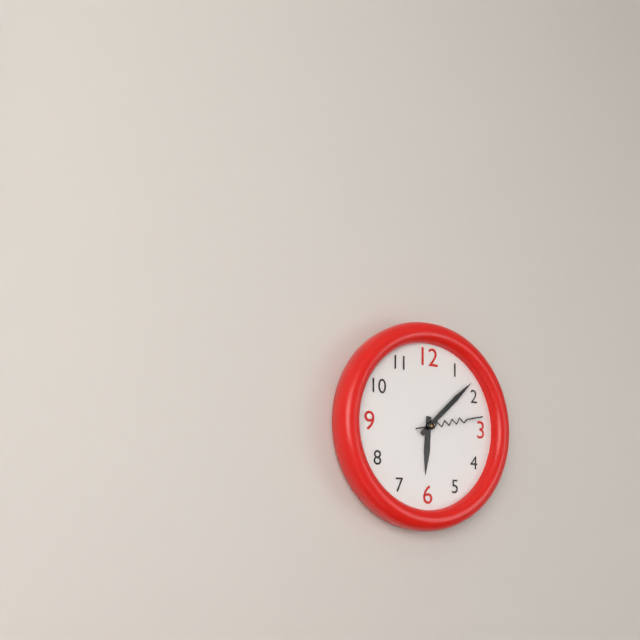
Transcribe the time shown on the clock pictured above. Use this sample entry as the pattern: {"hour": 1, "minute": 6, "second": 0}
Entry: {"hour": 6, "minute": 8, "second": 13}
